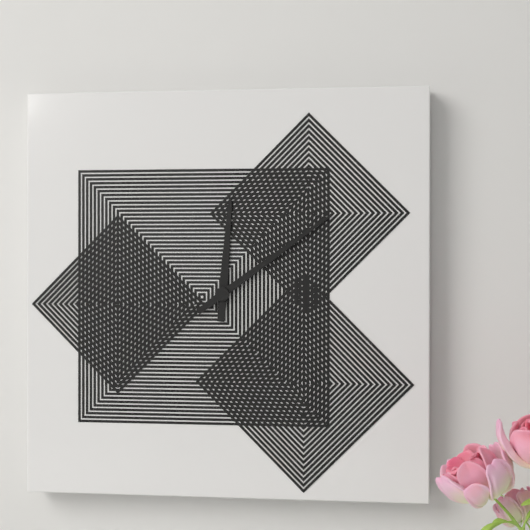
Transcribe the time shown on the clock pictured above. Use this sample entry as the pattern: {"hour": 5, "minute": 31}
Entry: {"hour": 12, "minute": 9}
